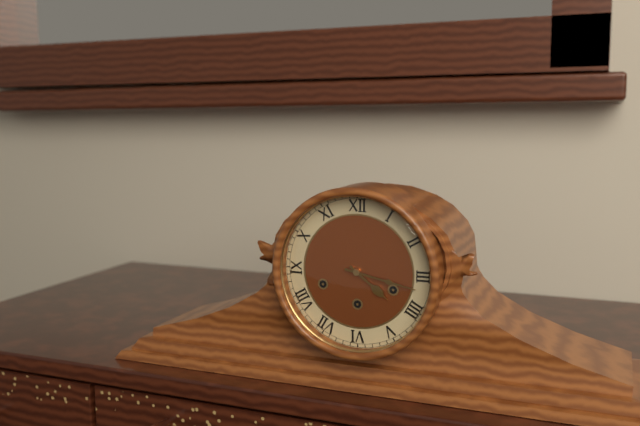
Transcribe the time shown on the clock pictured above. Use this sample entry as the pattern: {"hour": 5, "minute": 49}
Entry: {"hour": 4, "minute": 17}
